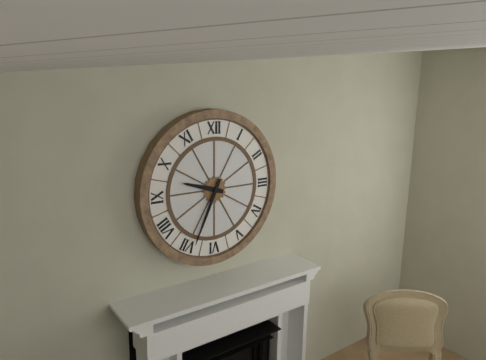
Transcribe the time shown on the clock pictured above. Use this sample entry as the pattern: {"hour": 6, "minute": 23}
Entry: {"hour": 9, "minute": 34}
